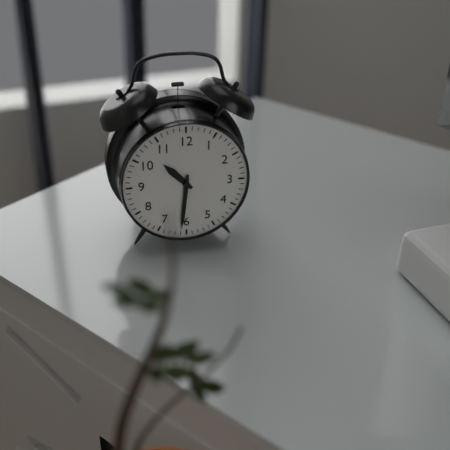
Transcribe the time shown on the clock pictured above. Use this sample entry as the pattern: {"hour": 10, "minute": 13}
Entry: {"hour": 10, "minute": 31}
